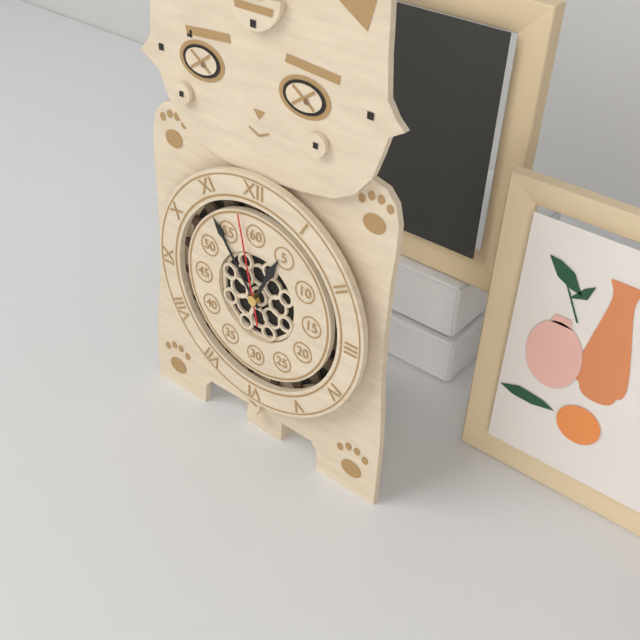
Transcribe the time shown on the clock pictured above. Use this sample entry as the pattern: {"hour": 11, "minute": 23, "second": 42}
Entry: {"hour": 12, "minute": 54, "second": 58}
